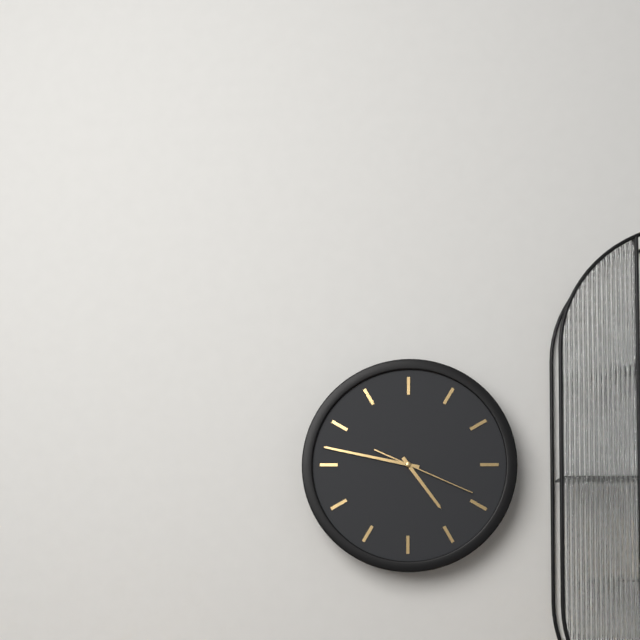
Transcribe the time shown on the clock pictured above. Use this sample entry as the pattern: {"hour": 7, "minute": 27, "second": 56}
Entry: {"hour": 4, "minute": 47, "second": 19}
